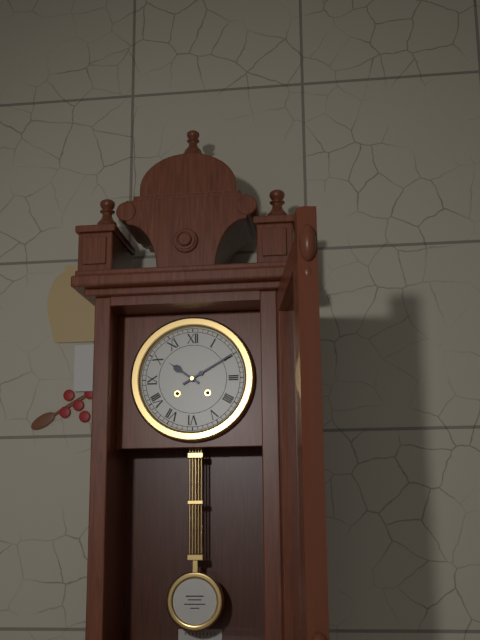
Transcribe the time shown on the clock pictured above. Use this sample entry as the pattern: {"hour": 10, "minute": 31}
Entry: {"hour": 10, "minute": 10}
